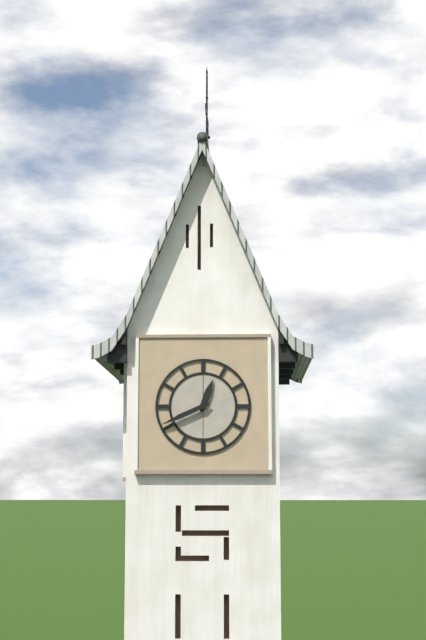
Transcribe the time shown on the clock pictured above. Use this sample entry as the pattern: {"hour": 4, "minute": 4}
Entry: {"hour": 12, "minute": 41}
